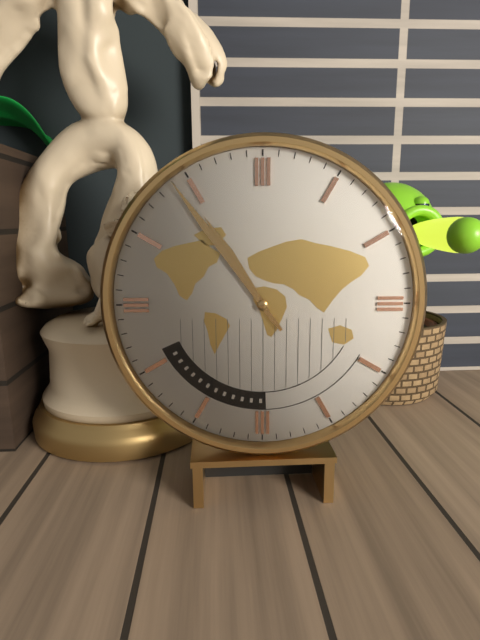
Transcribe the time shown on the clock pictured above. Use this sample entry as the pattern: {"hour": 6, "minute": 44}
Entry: {"hour": 10, "minute": 54}
